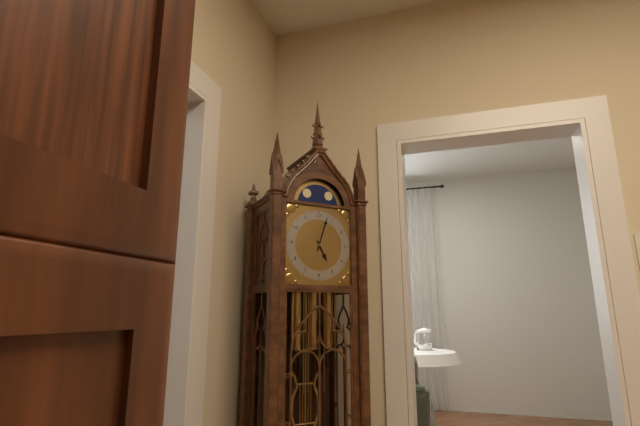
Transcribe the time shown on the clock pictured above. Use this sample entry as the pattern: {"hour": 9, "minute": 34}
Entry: {"hour": 5, "minute": 3}
